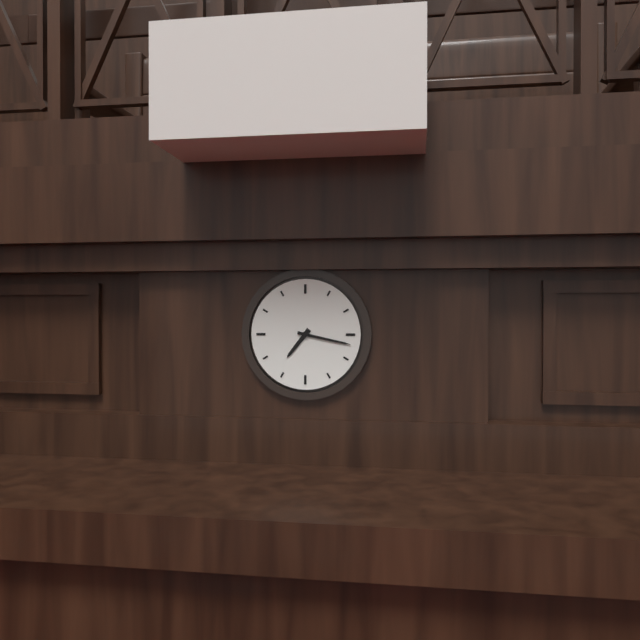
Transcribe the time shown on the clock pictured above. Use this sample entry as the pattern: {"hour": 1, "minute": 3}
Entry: {"hour": 7, "minute": 17}
